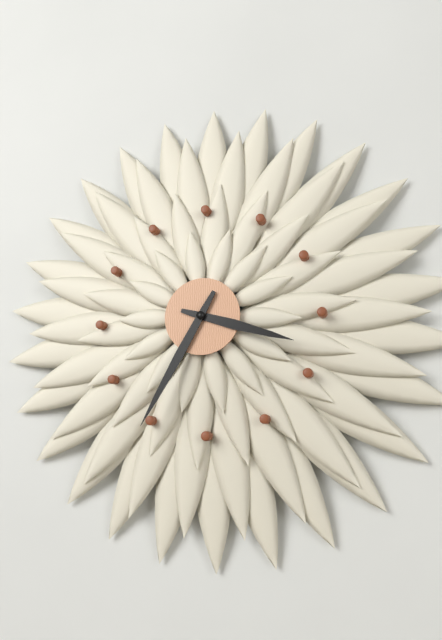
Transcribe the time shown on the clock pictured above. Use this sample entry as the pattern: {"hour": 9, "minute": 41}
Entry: {"hour": 3, "minute": 35}
